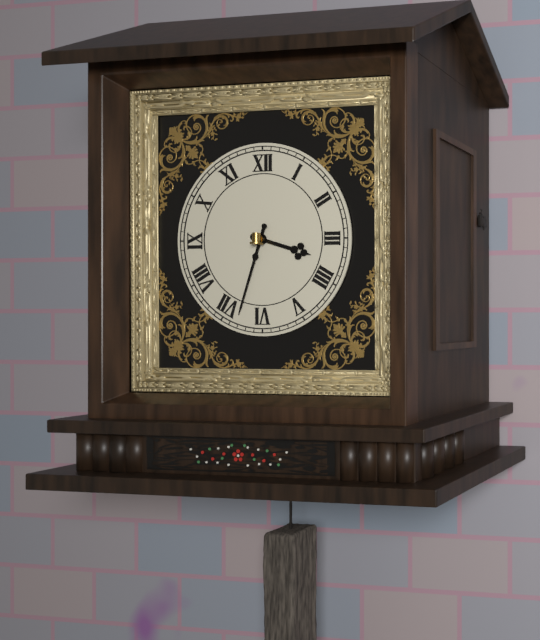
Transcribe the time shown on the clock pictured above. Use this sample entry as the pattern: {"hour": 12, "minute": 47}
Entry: {"hour": 3, "minute": 33}
